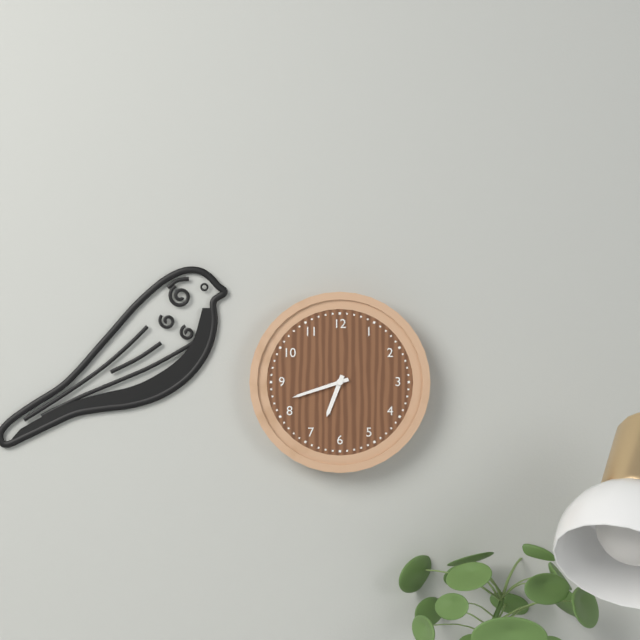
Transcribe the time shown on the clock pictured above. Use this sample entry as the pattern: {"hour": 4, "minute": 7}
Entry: {"hour": 6, "minute": 42}
